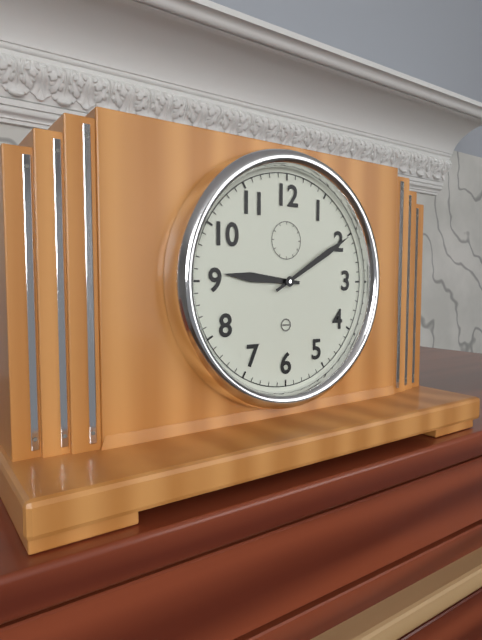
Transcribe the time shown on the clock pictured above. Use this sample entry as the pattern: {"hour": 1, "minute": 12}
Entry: {"hour": 9, "minute": 10}
